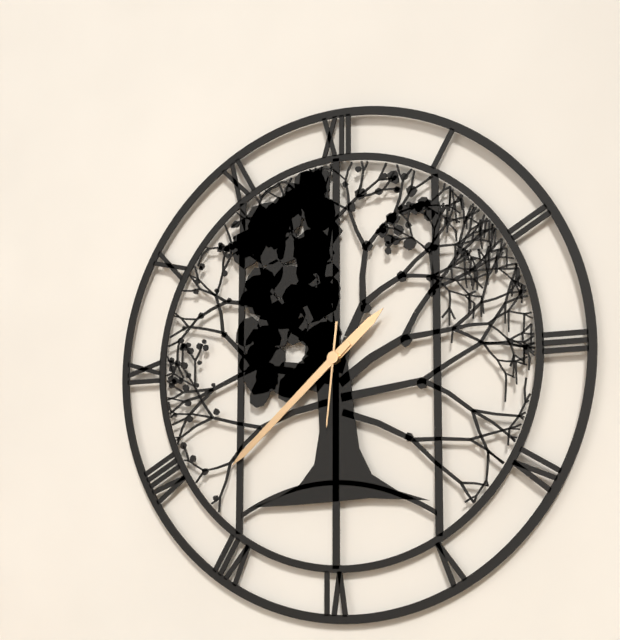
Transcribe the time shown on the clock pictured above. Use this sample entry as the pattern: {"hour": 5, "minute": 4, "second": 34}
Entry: {"hour": 1, "minute": 38, "second": 31}
